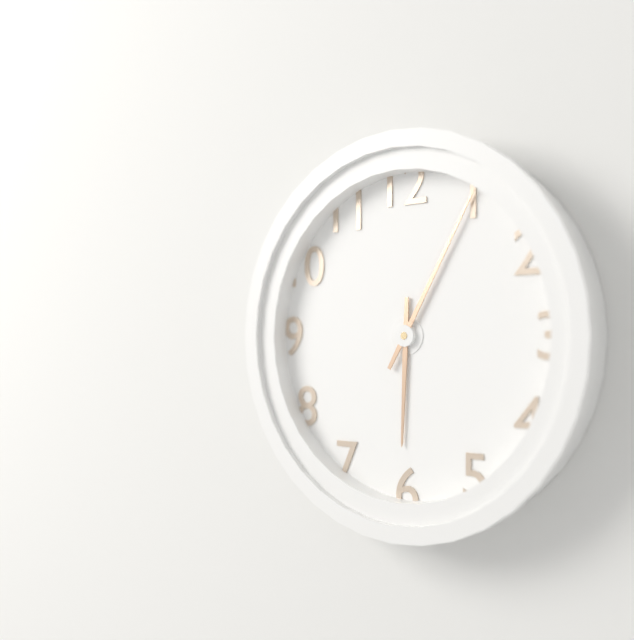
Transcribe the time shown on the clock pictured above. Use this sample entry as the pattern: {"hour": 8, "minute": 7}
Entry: {"hour": 6, "minute": 5}
